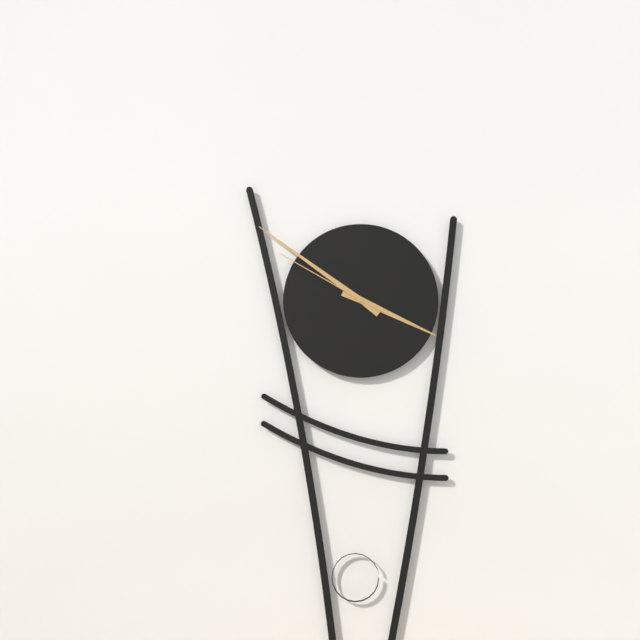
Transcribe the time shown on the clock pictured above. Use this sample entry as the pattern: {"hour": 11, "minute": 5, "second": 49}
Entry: {"hour": 3, "minute": 51, "second": 50}
